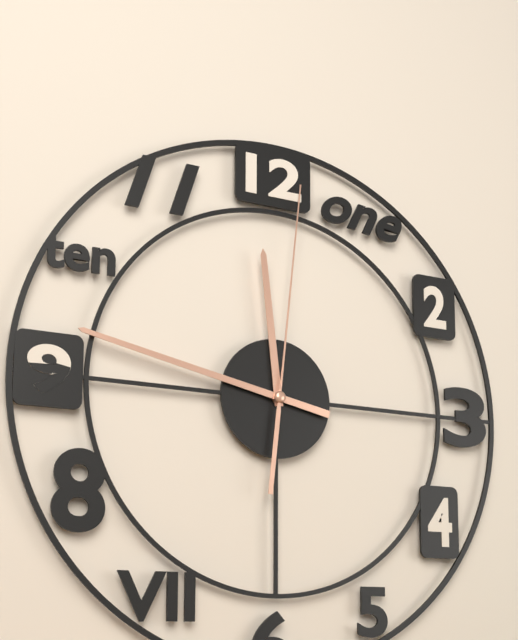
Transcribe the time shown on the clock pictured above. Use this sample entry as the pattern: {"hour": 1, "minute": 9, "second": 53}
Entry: {"hour": 11, "minute": 47, "second": 1}
